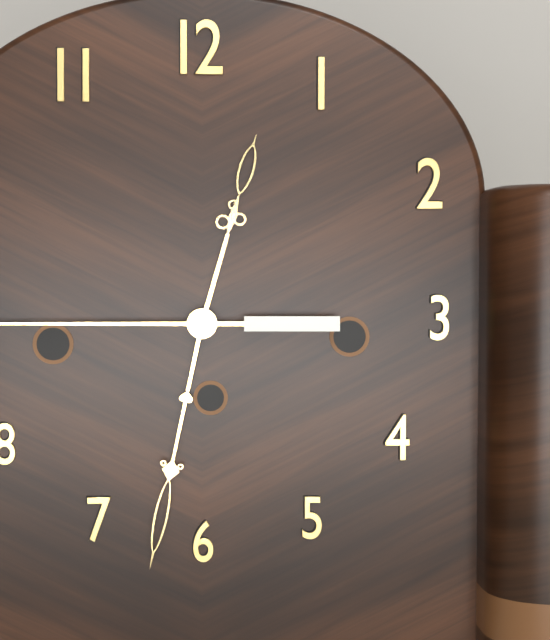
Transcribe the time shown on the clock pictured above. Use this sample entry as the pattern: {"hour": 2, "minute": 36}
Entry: {"hour": 12, "minute": 32}
